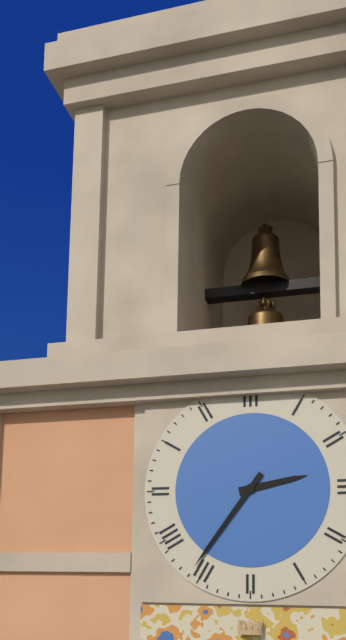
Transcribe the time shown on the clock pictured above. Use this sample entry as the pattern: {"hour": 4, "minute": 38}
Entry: {"hour": 2, "minute": 36}
